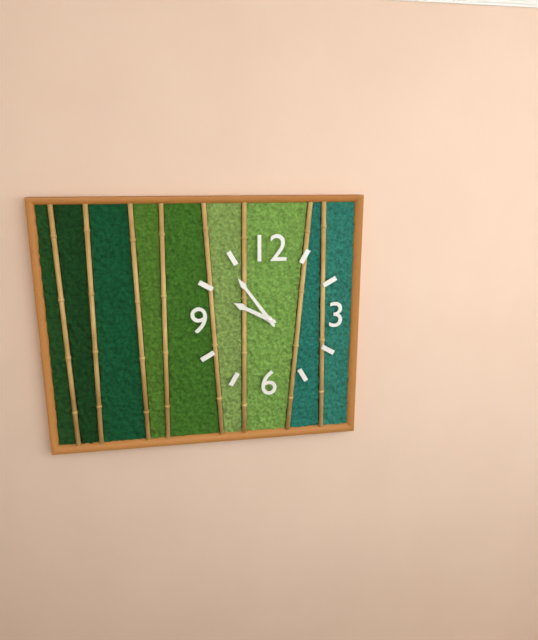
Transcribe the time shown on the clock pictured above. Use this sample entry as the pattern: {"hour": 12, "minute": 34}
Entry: {"hour": 9, "minute": 54}
